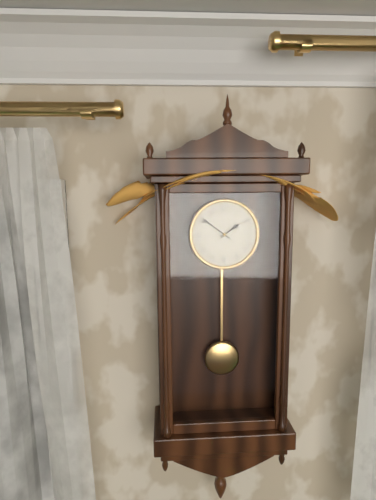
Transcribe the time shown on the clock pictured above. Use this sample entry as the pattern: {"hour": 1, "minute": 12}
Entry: {"hour": 1, "minute": 51}
